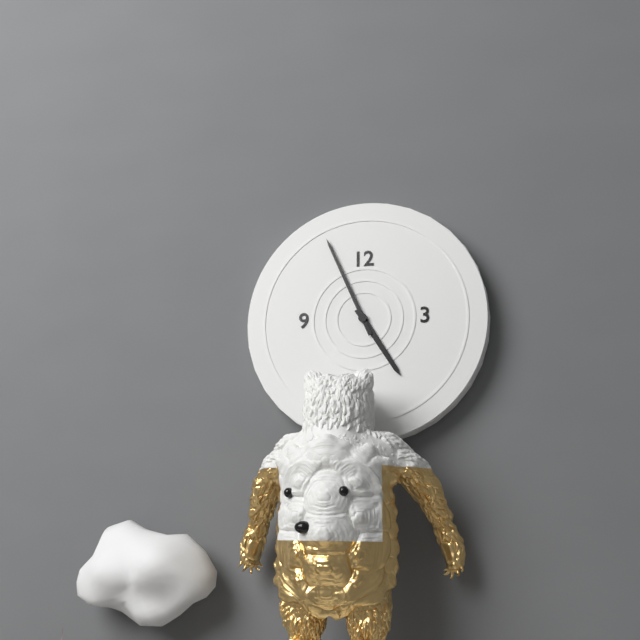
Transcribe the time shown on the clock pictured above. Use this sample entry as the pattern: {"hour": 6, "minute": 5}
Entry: {"hour": 4, "minute": 56}
